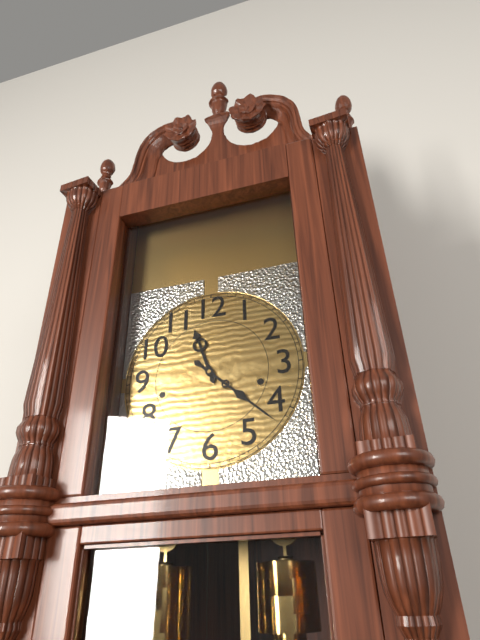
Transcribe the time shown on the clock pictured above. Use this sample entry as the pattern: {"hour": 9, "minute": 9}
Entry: {"hour": 11, "minute": 22}
